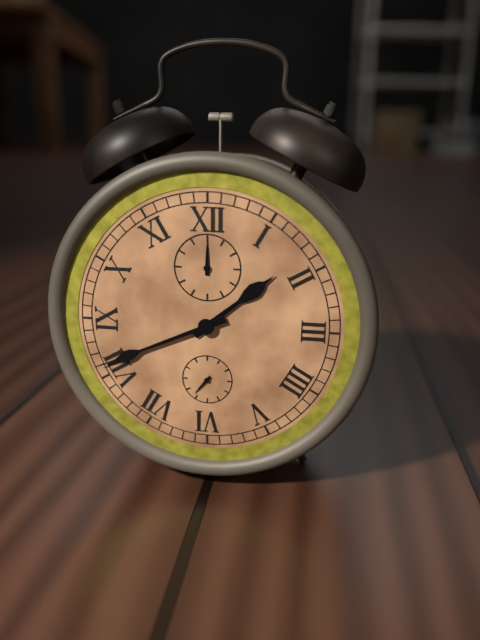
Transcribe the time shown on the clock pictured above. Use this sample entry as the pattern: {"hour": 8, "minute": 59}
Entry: {"hour": 1, "minute": 41}
